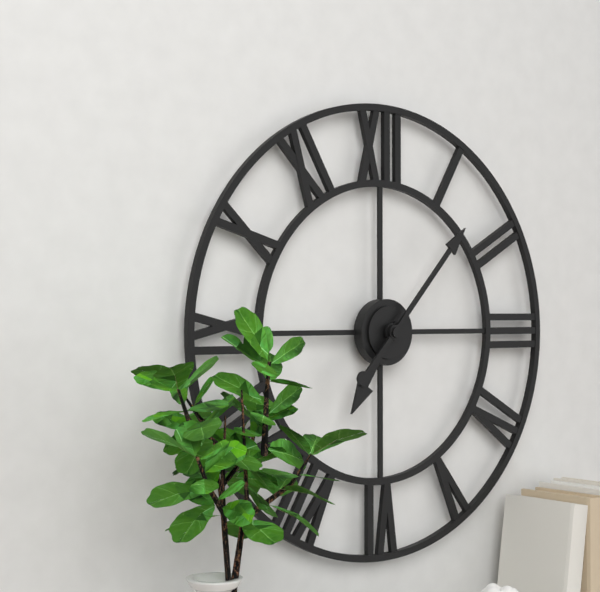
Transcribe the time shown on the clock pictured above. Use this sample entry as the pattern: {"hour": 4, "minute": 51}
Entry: {"hour": 7, "minute": 7}
